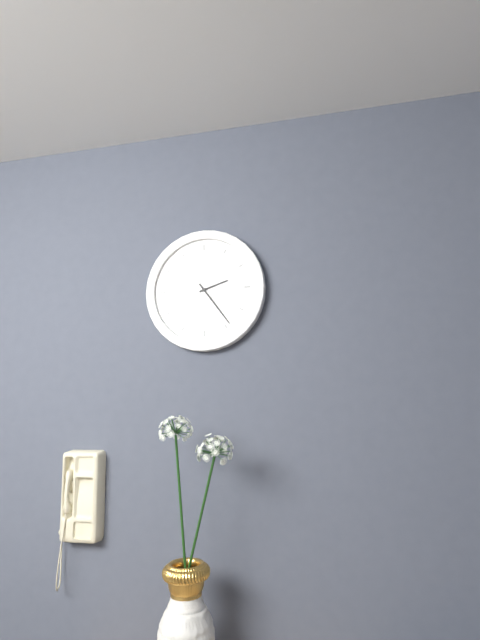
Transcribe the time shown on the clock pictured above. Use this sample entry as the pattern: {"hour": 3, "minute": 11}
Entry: {"hour": 2, "minute": 24}
